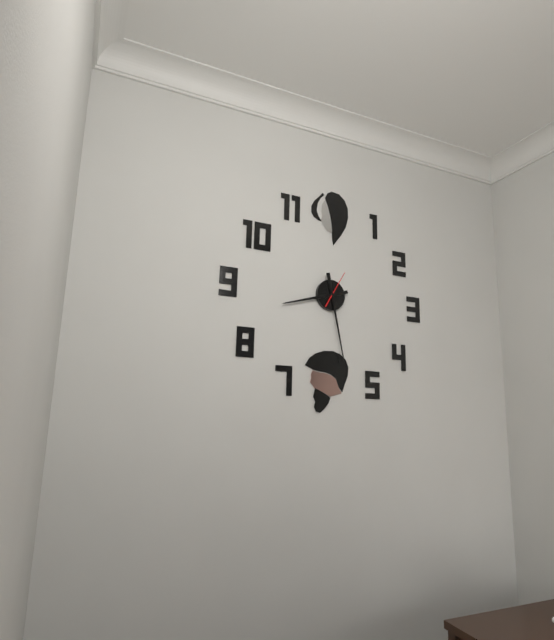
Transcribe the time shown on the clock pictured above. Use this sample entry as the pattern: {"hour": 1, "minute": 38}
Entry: {"hour": 8, "minute": 28}
